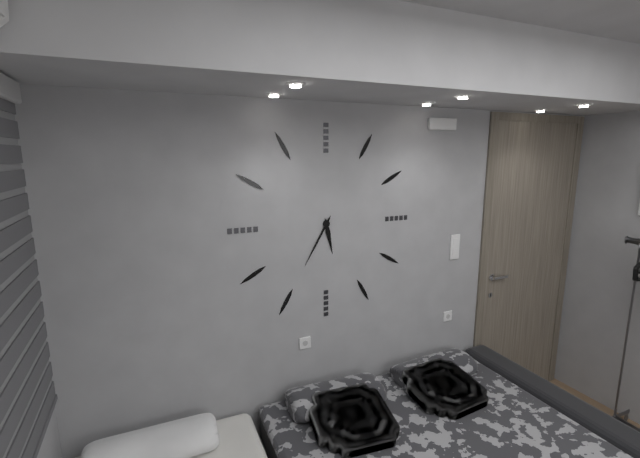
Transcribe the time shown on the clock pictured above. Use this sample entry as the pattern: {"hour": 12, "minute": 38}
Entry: {"hour": 5, "minute": 35}
